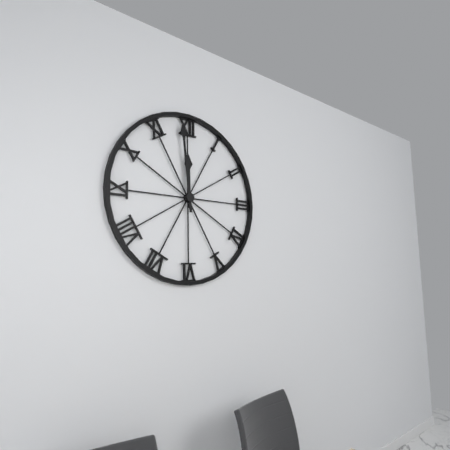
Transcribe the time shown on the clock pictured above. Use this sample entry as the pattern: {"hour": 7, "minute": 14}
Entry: {"hour": 11, "minute": 59}
